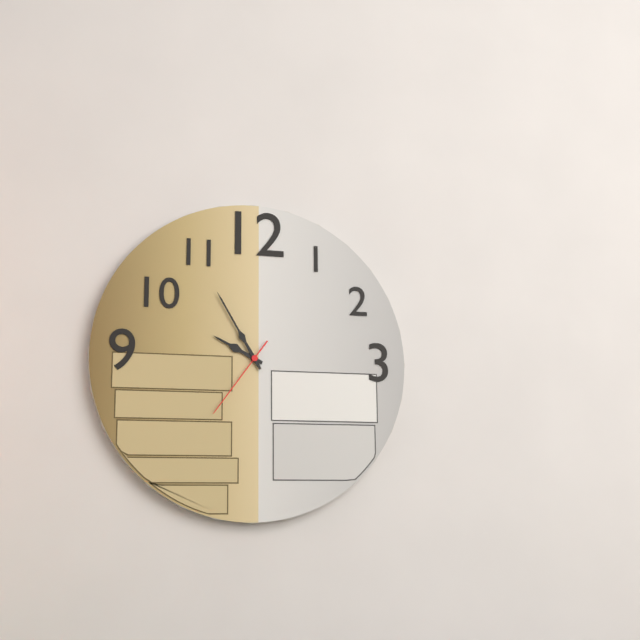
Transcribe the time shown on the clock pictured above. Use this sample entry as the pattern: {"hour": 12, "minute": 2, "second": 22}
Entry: {"hour": 9, "minute": 55, "second": 36}
